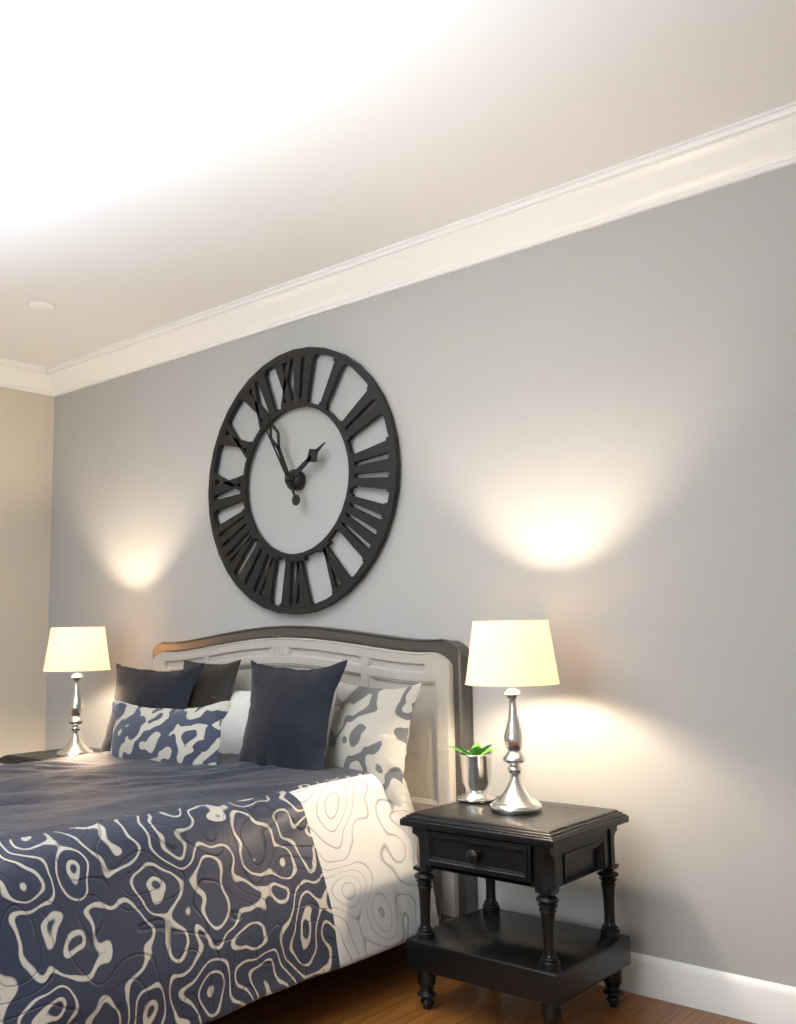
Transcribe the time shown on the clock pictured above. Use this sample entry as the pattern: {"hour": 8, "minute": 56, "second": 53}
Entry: {"hour": 1, "minute": 56, "second": 55}
